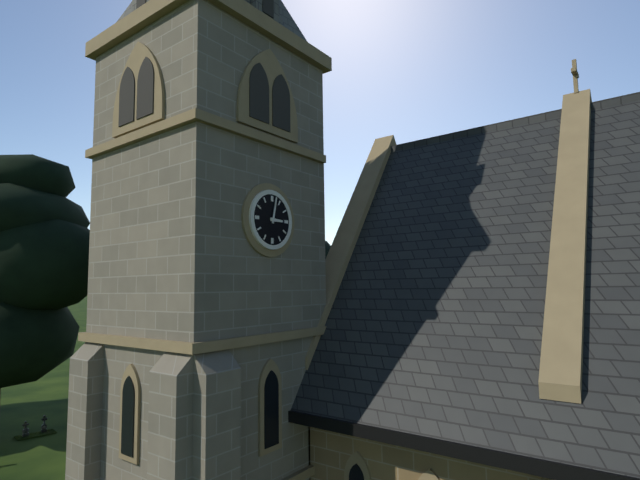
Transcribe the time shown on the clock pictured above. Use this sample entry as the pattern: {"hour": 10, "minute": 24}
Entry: {"hour": 3, "minute": 2}
